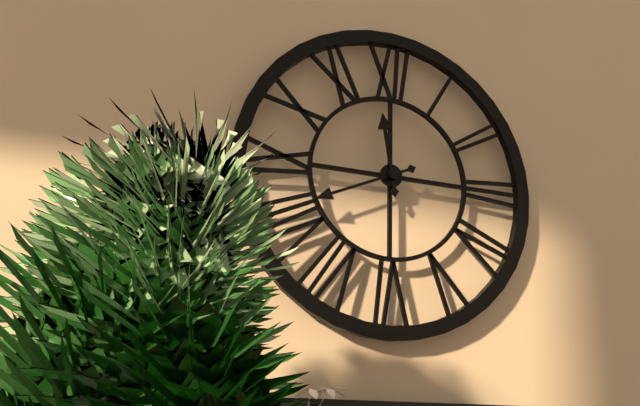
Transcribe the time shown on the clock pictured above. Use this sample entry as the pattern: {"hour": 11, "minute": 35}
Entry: {"hour": 11, "minute": 41}
